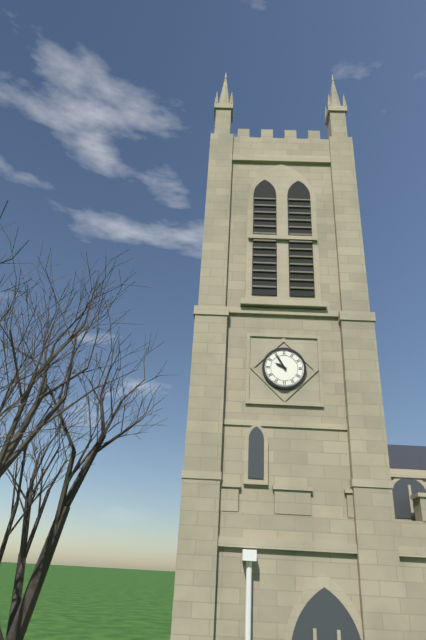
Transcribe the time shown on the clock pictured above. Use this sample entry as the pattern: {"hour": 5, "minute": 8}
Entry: {"hour": 9, "minute": 55}
